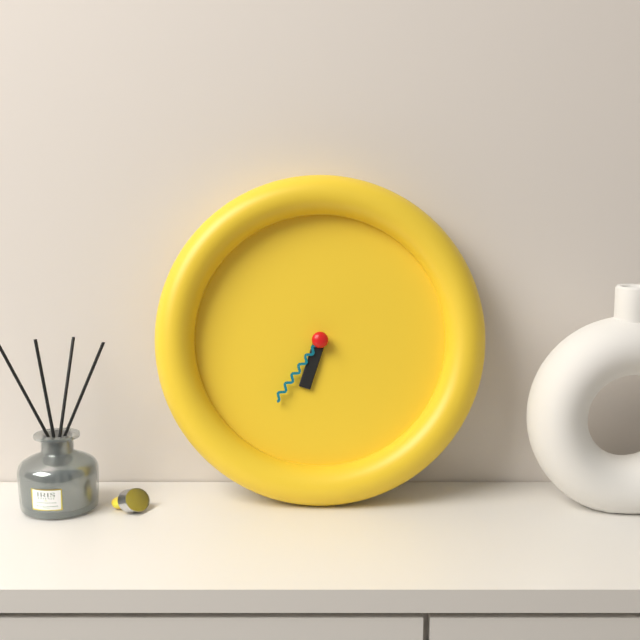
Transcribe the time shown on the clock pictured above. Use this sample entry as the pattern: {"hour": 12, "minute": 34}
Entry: {"hour": 6, "minute": 36}
